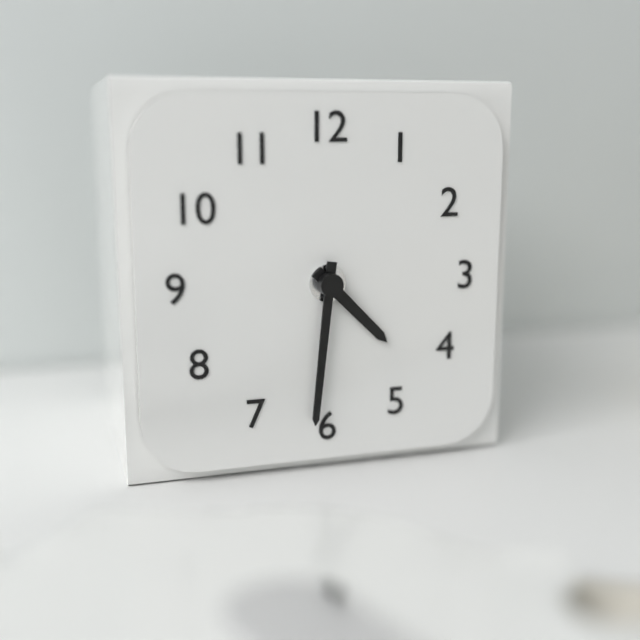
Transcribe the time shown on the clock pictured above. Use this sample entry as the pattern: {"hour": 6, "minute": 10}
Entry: {"hour": 4, "minute": 31}
